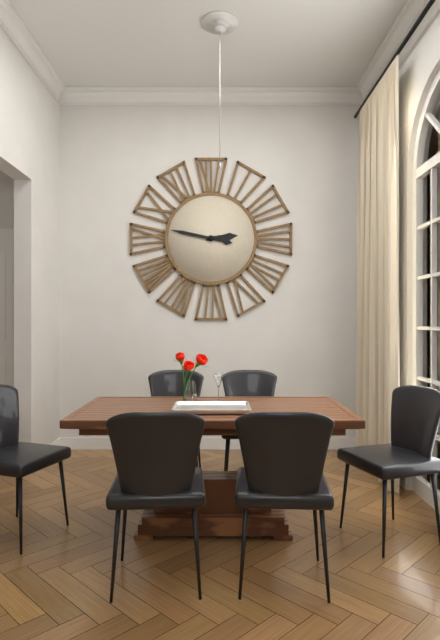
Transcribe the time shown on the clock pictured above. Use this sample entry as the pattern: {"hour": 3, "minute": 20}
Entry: {"hour": 2, "minute": 47}
